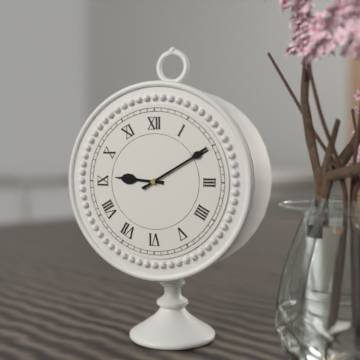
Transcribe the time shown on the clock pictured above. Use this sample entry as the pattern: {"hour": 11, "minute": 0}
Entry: {"hour": 9, "minute": 10}
